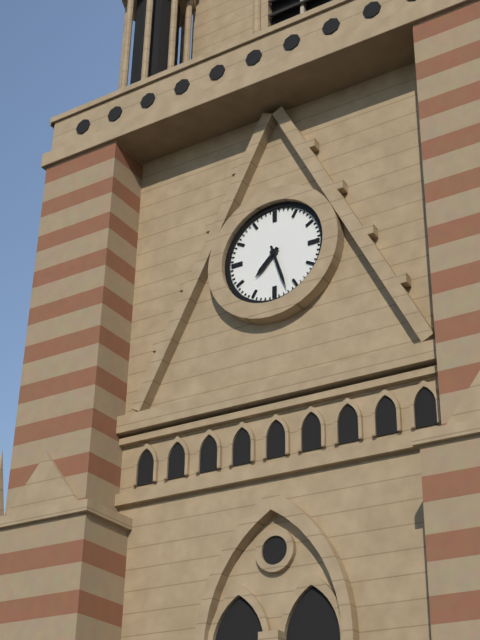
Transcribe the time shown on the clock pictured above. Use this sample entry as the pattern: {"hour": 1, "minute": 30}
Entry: {"hour": 7, "minute": 27}
